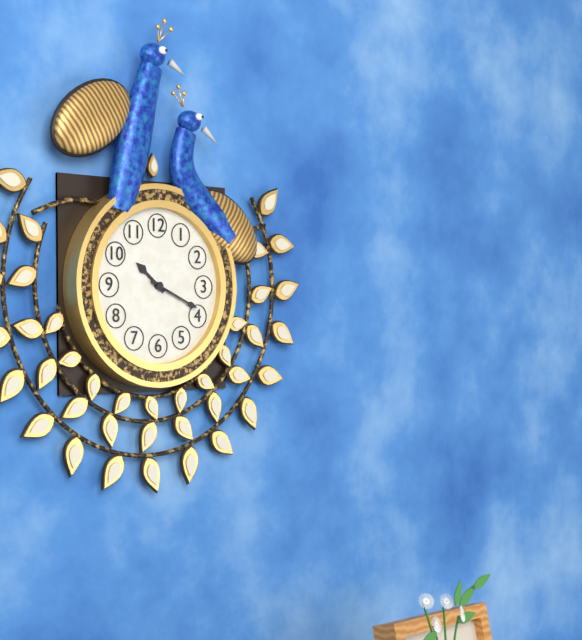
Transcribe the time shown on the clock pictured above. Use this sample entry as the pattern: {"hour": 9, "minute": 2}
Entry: {"hour": 10, "minute": 19}
